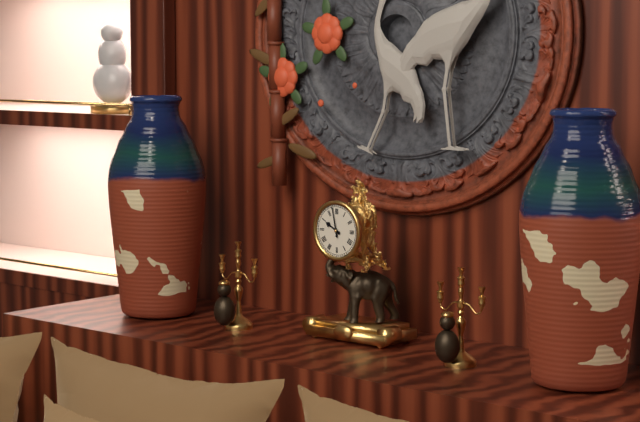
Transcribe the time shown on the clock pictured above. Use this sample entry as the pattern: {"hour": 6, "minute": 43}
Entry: {"hour": 9, "minute": 58}
